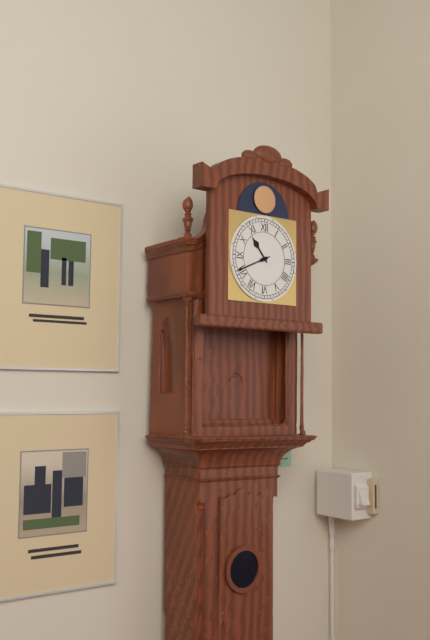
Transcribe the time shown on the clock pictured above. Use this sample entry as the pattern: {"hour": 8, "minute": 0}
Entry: {"hour": 10, "minute": 41}
